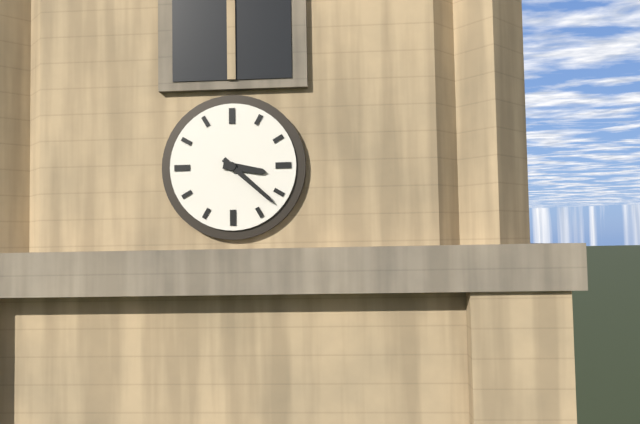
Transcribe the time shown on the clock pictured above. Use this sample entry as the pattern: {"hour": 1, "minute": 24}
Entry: {"hour": 3, "minute": 22}
